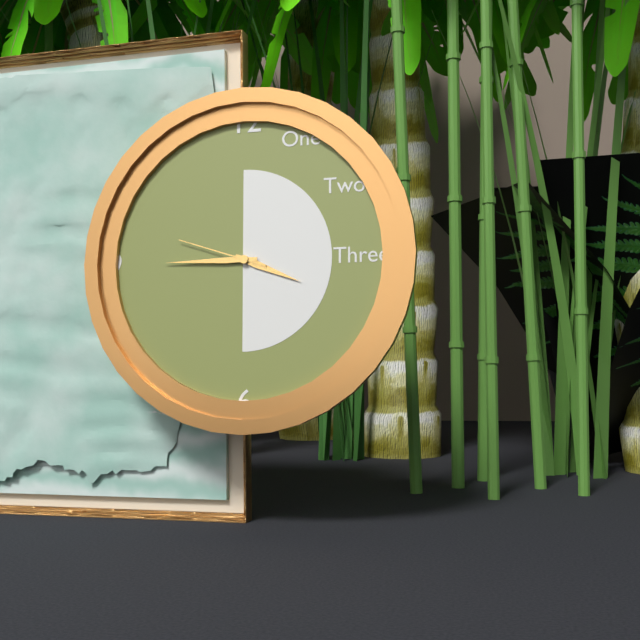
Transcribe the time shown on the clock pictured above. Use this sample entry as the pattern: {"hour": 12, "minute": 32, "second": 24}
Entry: {"hour": 3, "minute": 45, "second": 48}
